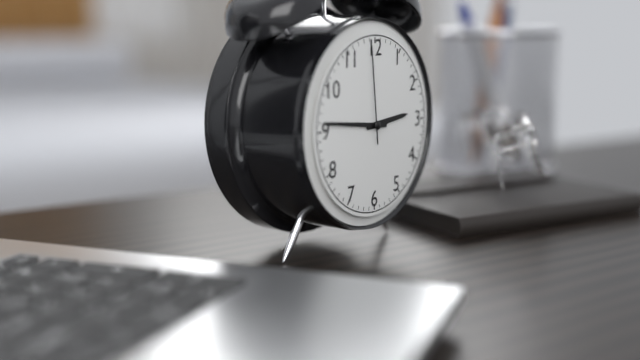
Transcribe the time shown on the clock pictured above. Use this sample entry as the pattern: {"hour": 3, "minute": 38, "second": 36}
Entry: {"hour": 2, "minute": 46, "second": 59}
